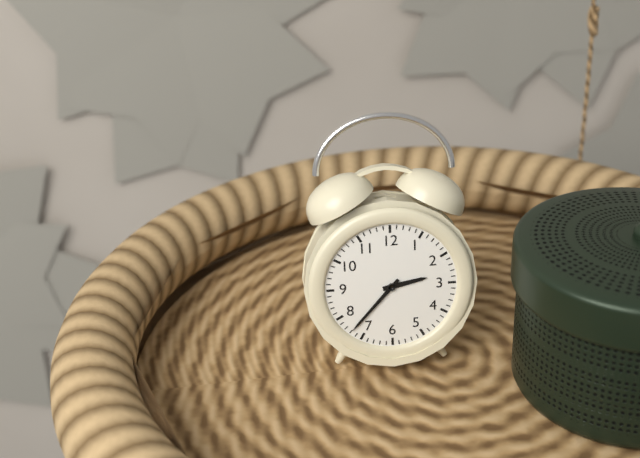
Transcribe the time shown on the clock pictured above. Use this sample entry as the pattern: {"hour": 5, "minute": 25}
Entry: {"hour": 2, "minute": 37}
